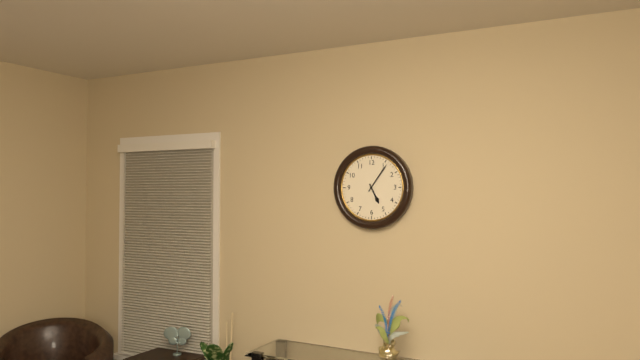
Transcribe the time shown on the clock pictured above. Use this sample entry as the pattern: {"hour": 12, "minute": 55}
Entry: {"hour": 5, "minute": 6}
